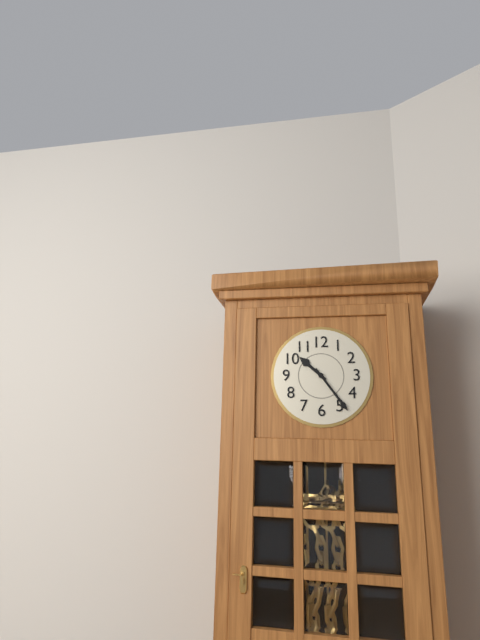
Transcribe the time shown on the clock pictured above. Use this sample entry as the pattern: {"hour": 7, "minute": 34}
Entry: {"hour": 10, "minute": 24}
